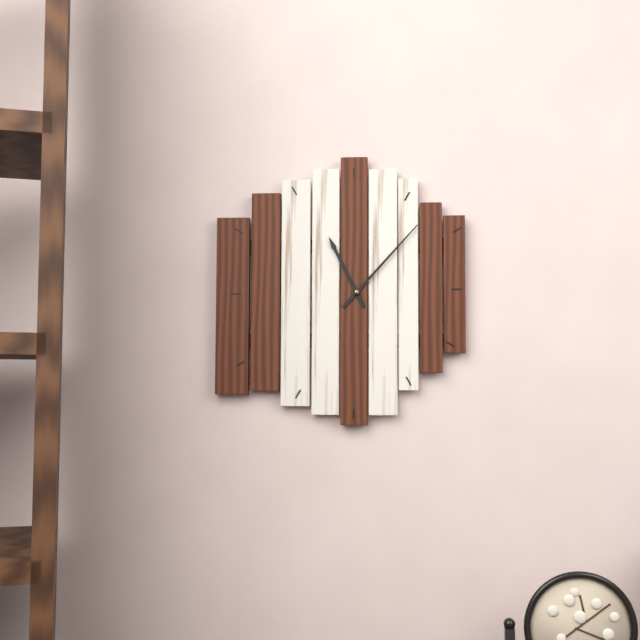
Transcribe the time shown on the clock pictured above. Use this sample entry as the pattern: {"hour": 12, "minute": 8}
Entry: {"hour": 11, "minute": 7}
